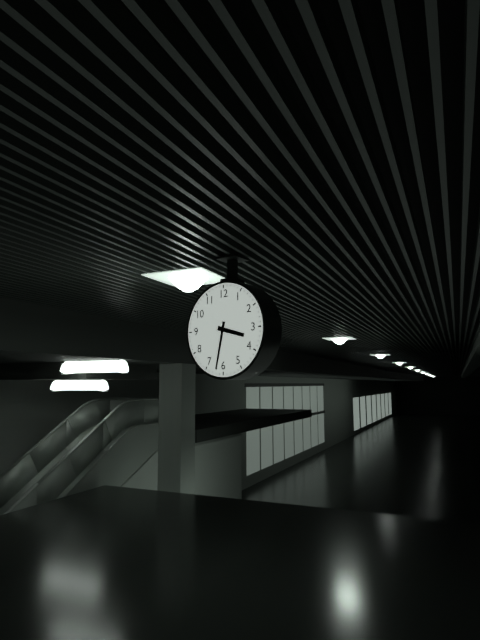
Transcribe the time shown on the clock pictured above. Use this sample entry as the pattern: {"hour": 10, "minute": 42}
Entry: {"hour": 3, "minute": 32}
